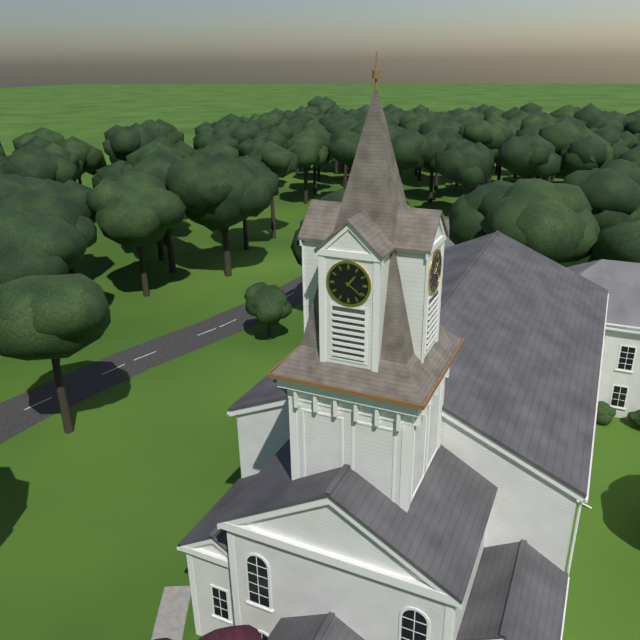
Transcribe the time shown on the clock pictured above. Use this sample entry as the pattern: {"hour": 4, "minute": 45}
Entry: {"hour": 1, "minute": 21}
